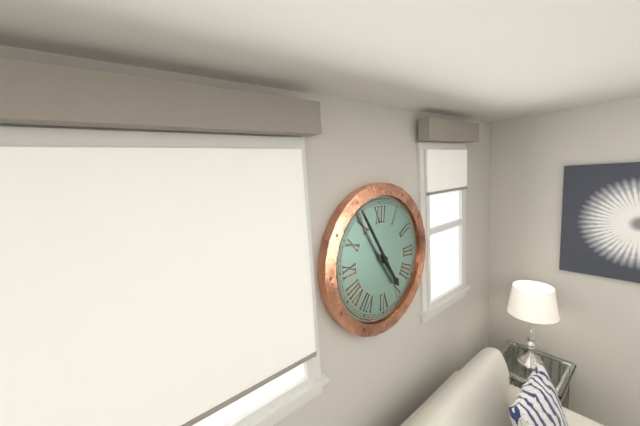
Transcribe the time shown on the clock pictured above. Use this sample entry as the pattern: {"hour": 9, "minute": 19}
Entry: {"hour": 4, "minute": 55}
